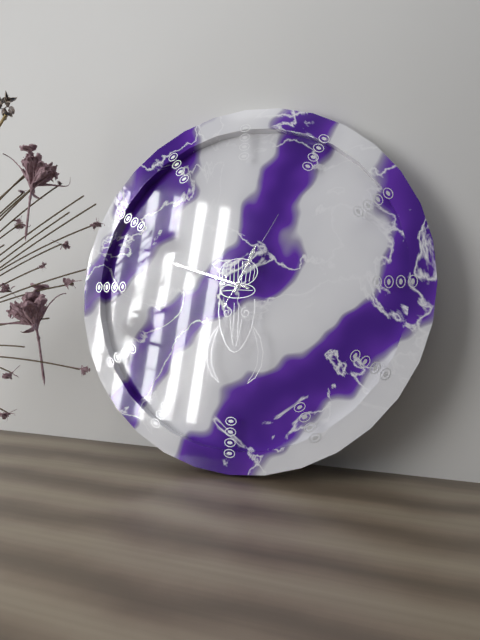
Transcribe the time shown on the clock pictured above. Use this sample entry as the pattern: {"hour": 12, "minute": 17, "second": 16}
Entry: {"hour": 12, "minute": 48, "second": 5}
